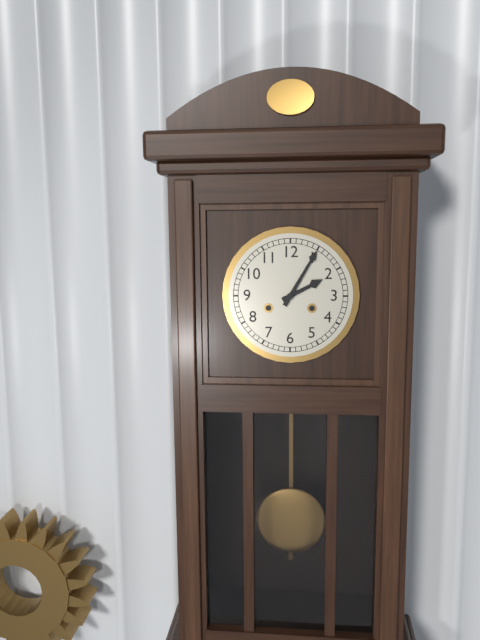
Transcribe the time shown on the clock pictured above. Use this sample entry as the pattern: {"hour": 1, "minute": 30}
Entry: {"hour": 2, "minute": 5}
